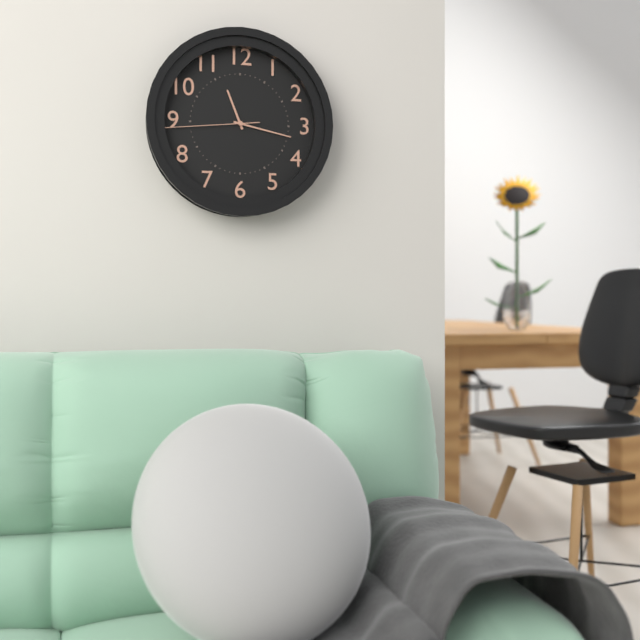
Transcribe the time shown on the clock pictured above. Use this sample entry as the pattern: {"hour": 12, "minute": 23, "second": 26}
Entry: {"hour": 11, "minute": 17, "second": 44}
